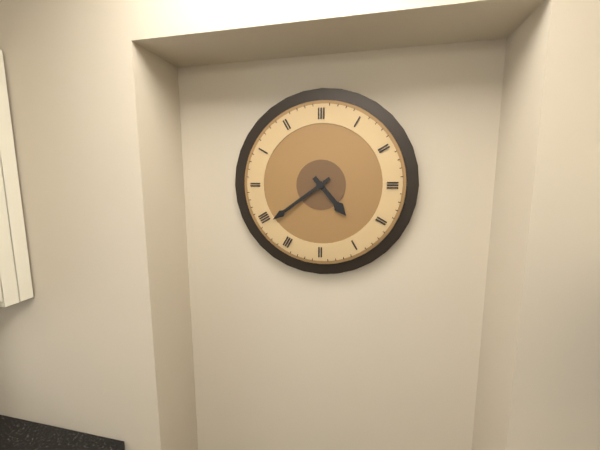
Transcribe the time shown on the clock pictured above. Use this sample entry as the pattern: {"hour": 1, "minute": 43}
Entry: {"hour": 4, "minute": 39}
